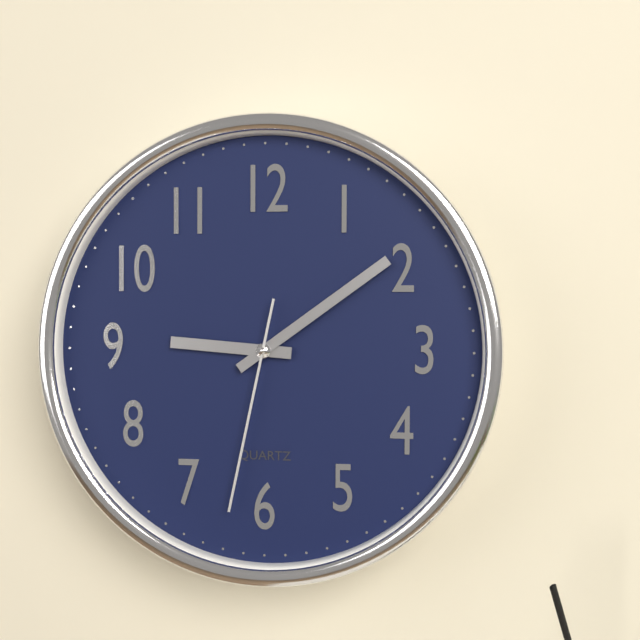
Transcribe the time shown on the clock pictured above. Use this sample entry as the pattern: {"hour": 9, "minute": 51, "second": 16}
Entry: {"hour": 9, "minute": 9, "second": 32}
